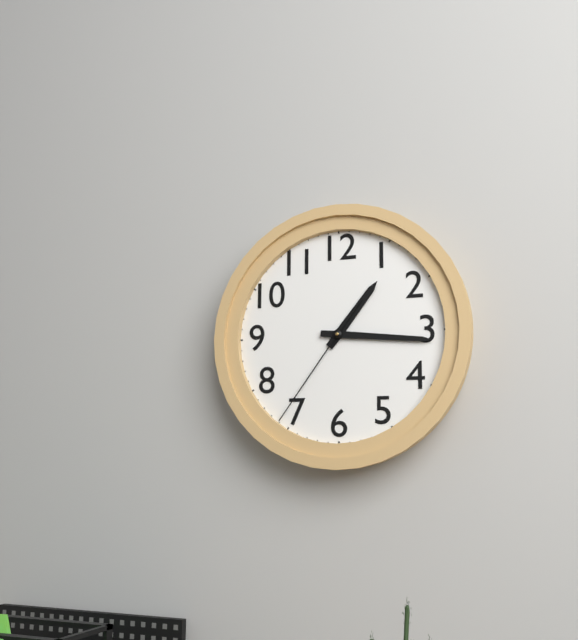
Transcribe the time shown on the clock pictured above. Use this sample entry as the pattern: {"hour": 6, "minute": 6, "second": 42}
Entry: {"hour": 1, "minute": 16, "second": 36}
